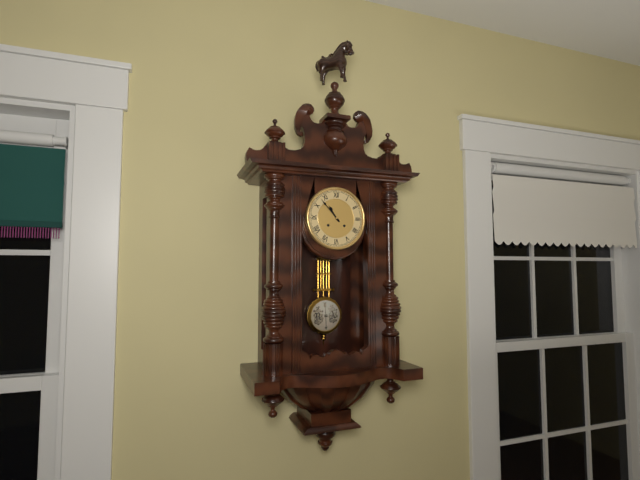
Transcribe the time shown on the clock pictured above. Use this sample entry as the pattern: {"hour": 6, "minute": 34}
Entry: {"hour": 10, "minute": 53}
